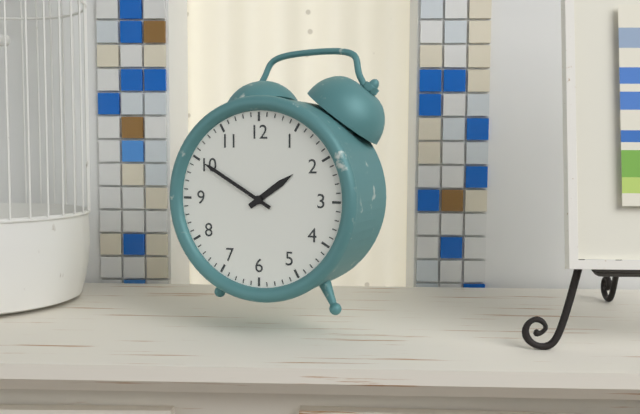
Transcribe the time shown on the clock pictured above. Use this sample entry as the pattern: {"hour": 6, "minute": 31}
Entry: {"hour": 1, "minute": 50}
